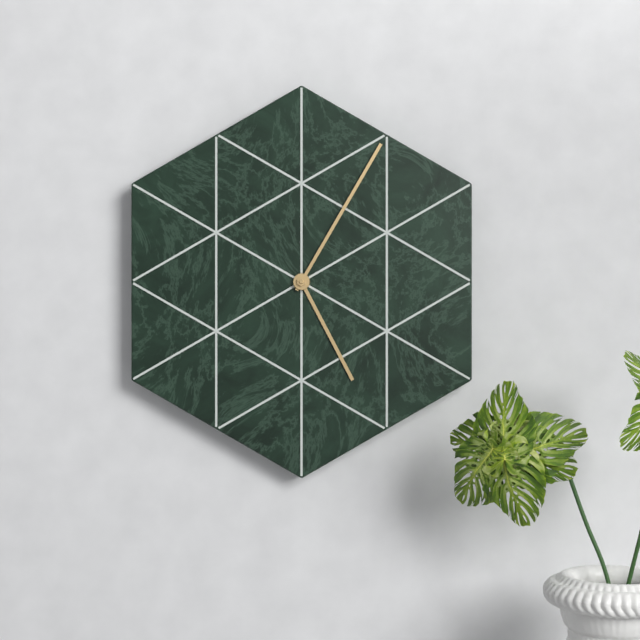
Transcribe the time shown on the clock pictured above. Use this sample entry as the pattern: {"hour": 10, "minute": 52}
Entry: {"hour": 5, "minute": 5}
